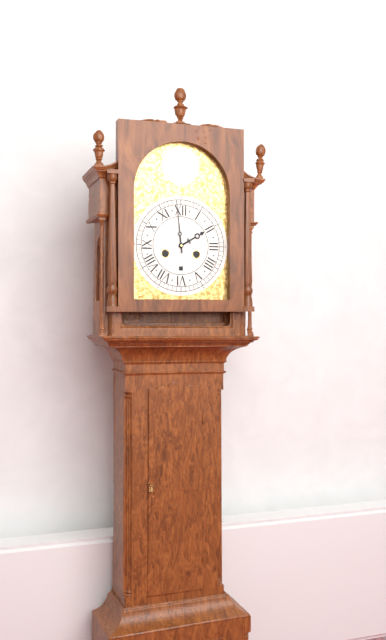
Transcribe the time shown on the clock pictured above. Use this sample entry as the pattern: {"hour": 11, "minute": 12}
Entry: {"hour": 1, "minute": 59}
